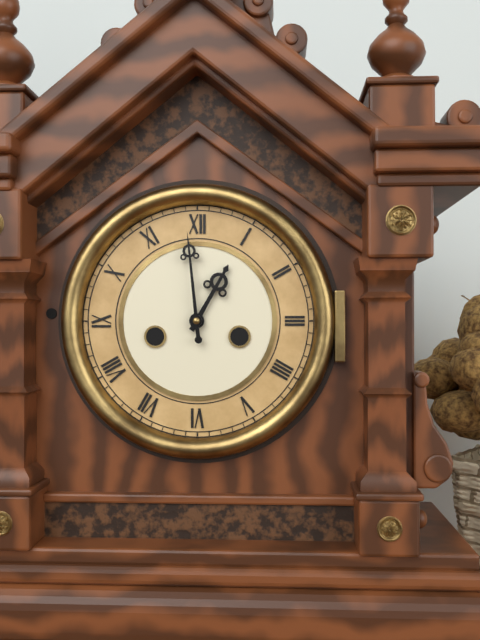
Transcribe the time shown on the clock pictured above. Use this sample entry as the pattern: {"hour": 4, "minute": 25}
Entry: {"hour": 12, "minute": 59}
